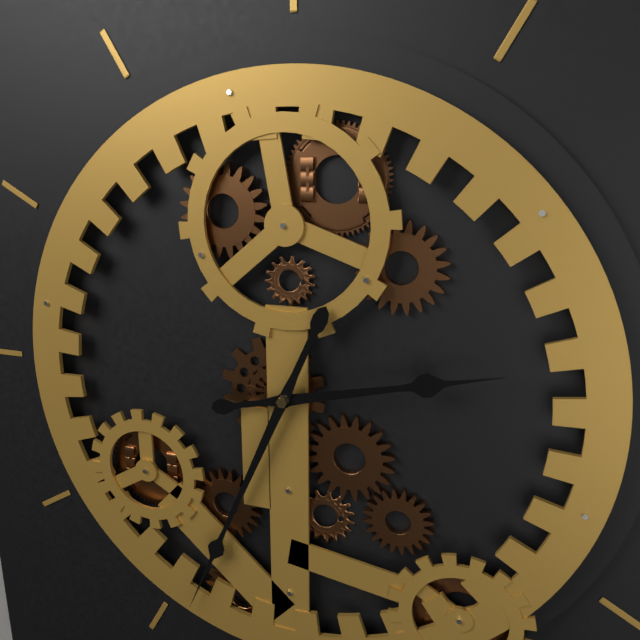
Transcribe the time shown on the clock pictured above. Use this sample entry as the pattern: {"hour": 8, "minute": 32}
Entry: {"hour": 2, "minute": 34}
